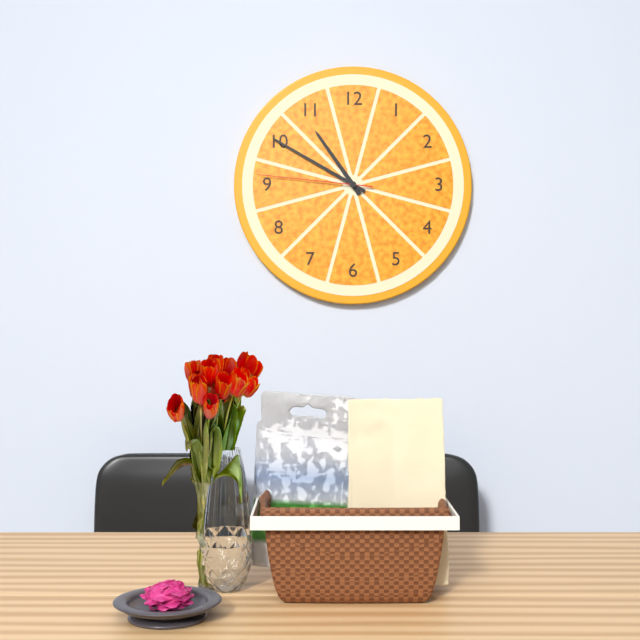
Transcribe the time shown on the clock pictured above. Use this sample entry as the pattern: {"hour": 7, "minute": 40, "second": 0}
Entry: {"hour": 10, "minute": 50, "second": 46}
